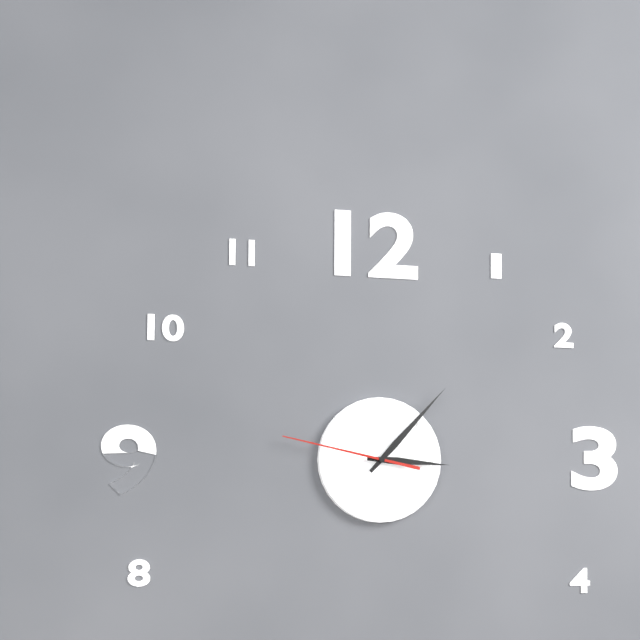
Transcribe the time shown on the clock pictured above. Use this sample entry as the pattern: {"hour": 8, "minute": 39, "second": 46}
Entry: {"hour": 3, "minute": 7, "second": 47}
